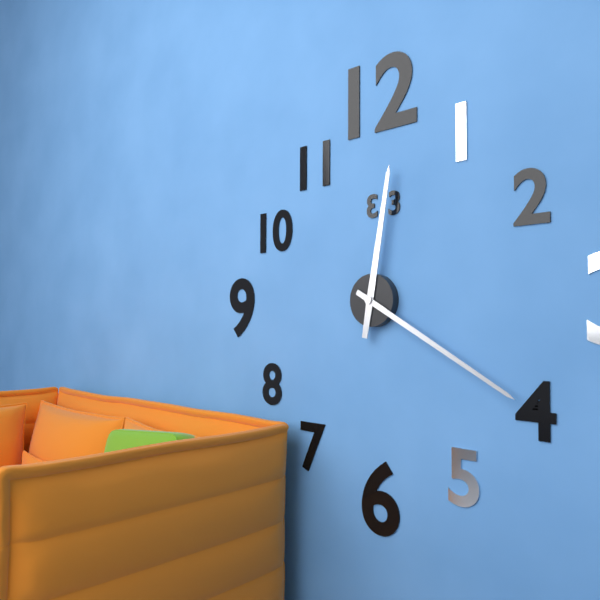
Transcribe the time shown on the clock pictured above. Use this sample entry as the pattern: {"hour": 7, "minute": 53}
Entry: {"hour": 12, "minute": 20}
